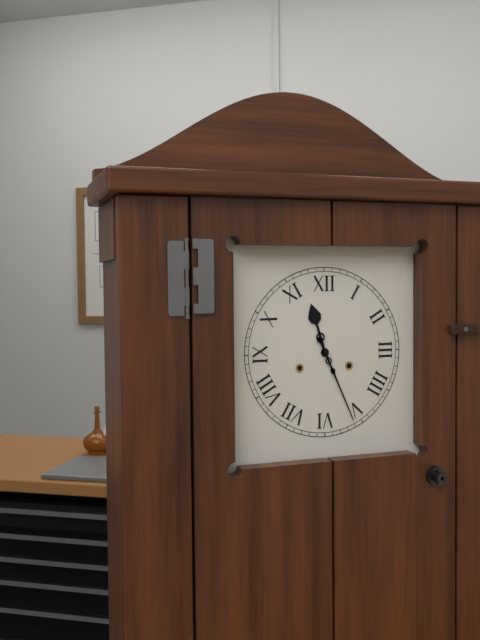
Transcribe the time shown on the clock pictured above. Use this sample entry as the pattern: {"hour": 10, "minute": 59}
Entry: {"hour": 11, "minute": 26}
